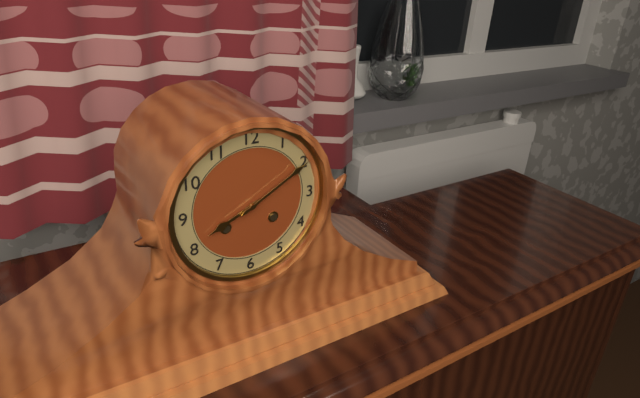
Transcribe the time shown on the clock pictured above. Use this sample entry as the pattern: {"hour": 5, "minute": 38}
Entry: {"hour": 8, "minute": 10}
